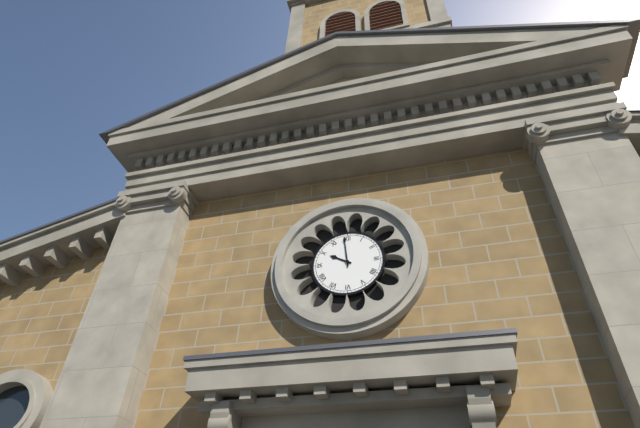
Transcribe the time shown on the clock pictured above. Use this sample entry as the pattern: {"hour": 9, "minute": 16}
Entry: {"hour": 9, "minute": 59}
